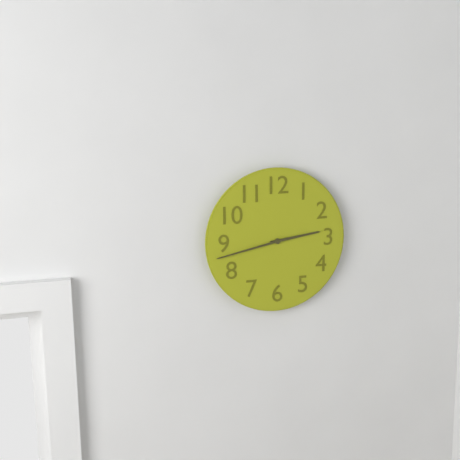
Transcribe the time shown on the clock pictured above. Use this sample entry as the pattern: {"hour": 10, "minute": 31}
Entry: {"hour": 2, "minute": 43}
